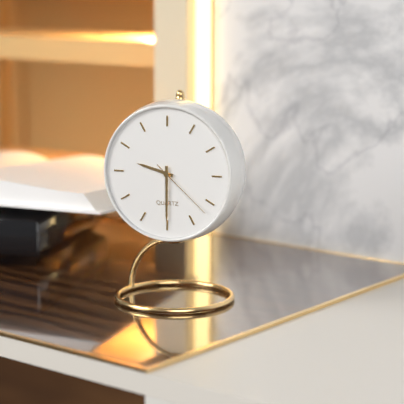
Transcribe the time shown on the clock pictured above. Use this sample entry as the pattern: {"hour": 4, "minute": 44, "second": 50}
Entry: {"hour": 9, "minute": 30, "second": 22}
